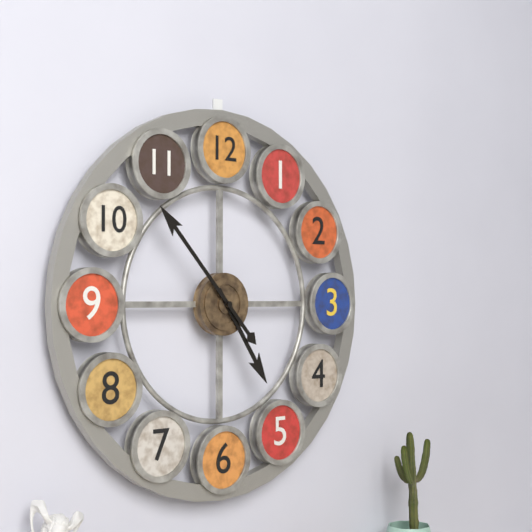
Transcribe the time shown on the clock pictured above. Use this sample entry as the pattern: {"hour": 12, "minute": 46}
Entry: {"hour": 4, "minute": 53}
